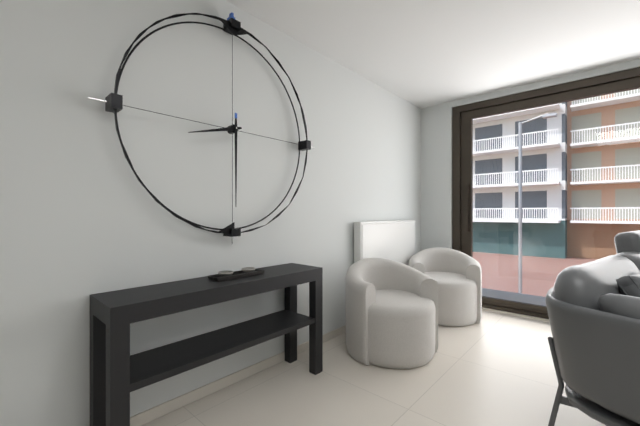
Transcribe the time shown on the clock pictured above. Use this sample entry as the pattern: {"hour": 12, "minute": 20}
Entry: {"hour": 8, "minute": 30}
